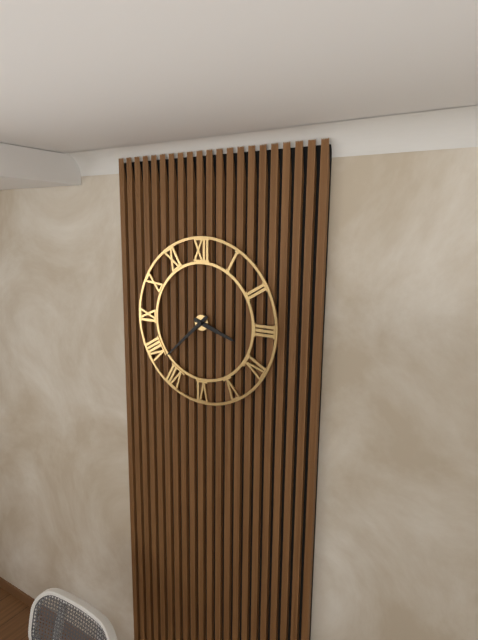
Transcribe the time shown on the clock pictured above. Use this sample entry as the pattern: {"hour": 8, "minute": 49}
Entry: {"hour": 3, "minute": 38}
